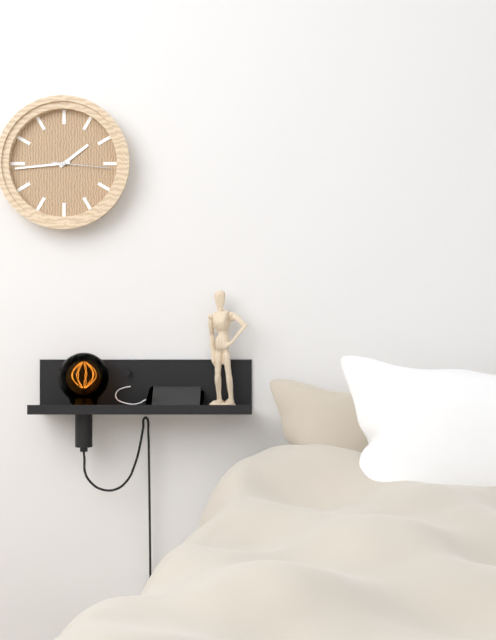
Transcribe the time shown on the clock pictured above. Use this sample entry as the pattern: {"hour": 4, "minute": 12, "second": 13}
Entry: {"hour": 1, "minute": 44, "second": 16}
